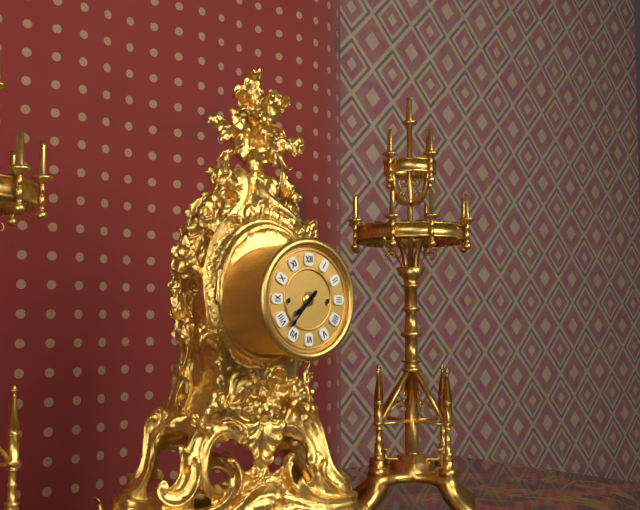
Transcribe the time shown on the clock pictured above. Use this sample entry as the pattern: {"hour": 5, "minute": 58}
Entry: {"hour": 7, "minute": 37}
